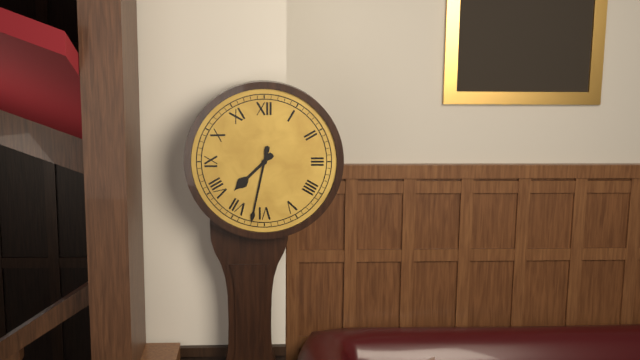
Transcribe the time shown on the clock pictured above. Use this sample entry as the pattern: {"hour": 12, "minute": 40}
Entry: {"hour": 7, "minute": 32}
